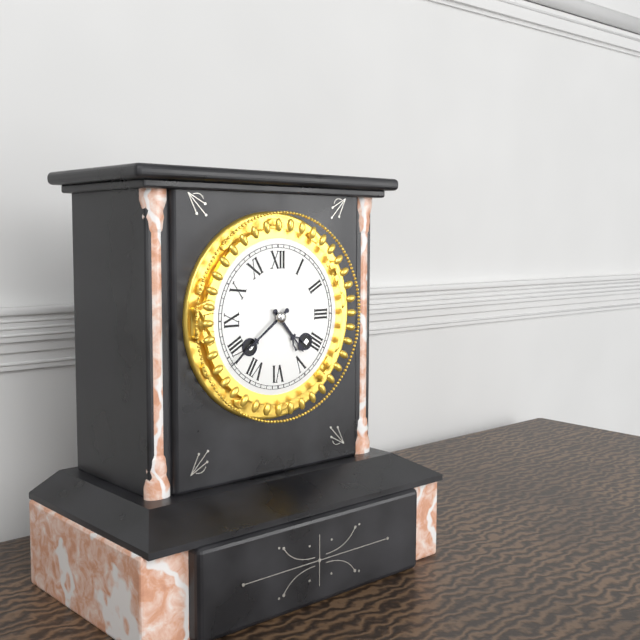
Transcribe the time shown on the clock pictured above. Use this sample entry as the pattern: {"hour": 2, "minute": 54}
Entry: {"hour": 4, "minute": 39}
